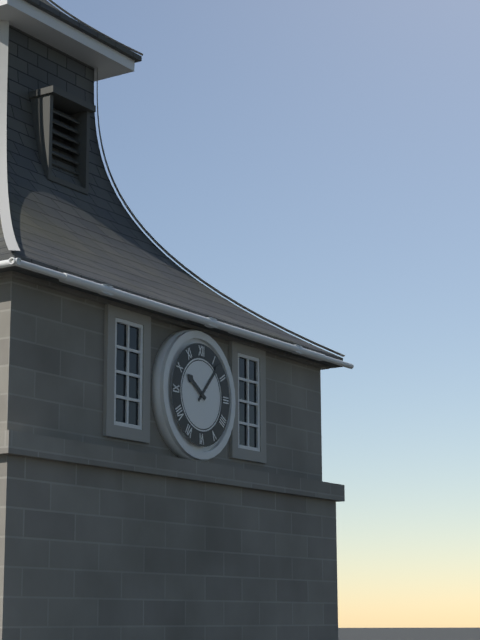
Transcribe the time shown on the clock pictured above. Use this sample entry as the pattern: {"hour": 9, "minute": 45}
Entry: {"hour": 10, "minute": 7}
